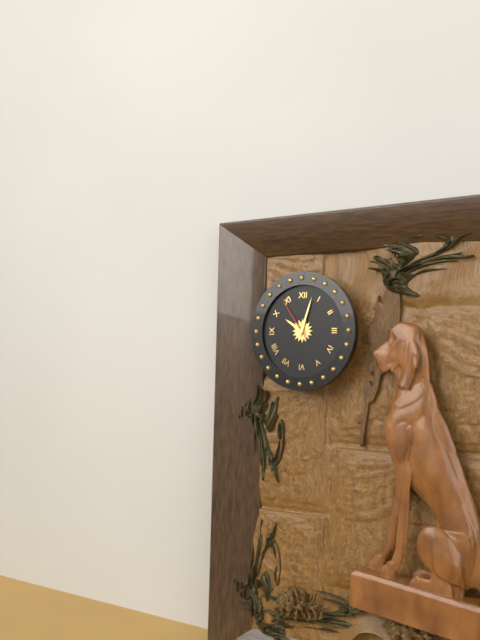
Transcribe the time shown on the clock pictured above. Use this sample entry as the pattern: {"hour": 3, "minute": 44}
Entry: {"hour": 10, "minute": 3}
